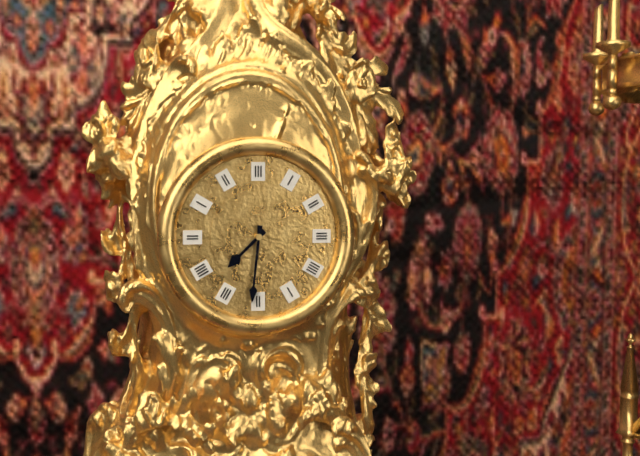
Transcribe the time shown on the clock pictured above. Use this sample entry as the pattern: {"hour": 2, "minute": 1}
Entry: {"hour": 7, "minute": 31}
